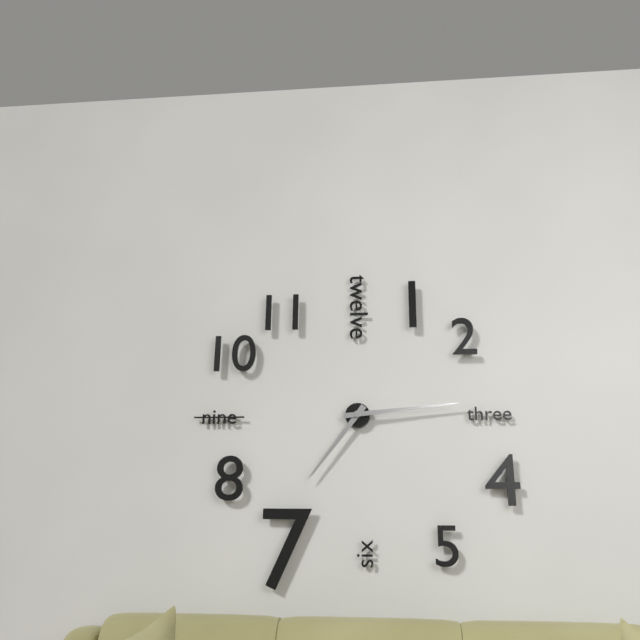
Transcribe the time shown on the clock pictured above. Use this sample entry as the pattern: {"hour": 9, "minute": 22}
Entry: {"hour": 7, "minute": 14}
